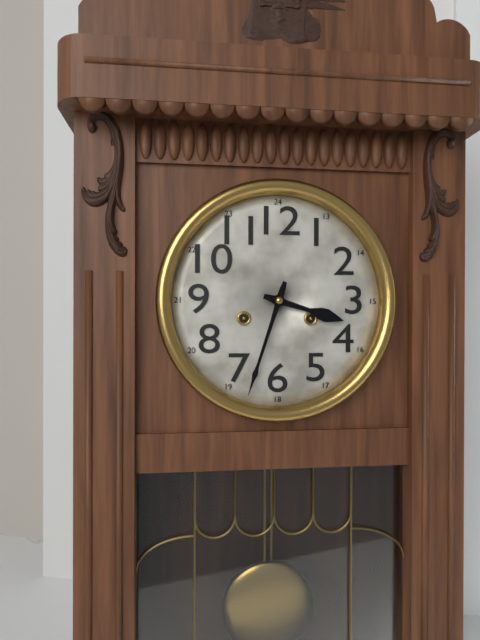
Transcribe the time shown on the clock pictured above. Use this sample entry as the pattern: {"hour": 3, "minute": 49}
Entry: {"hour": 3, "minute": 33}
